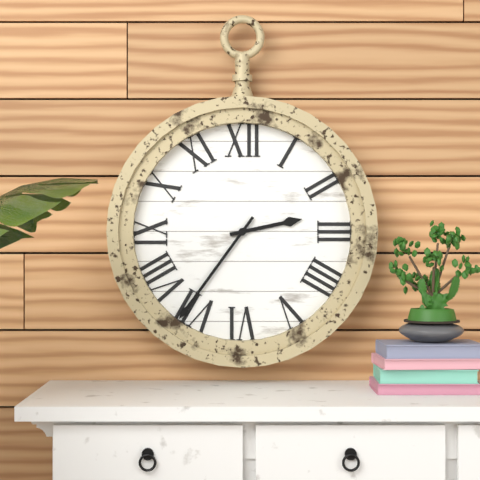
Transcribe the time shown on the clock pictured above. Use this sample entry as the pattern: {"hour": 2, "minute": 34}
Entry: {"hour": 2, "minute": 36}
